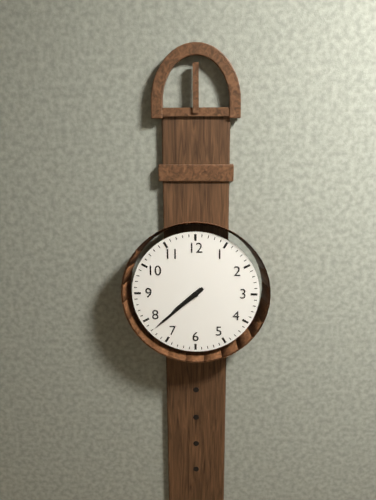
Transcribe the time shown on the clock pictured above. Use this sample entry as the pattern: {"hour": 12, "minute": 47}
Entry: {"hour": 7, "minute": 38}
